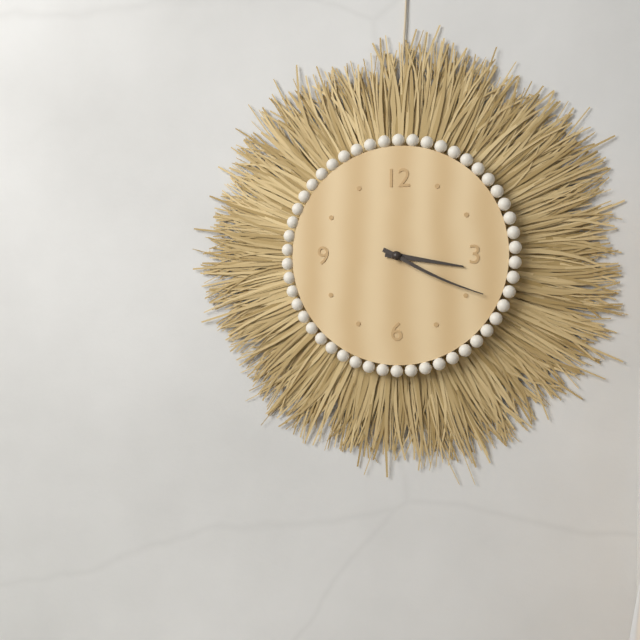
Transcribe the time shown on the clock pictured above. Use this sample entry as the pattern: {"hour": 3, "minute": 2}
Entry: {"hour": 3, "minute": 19}
